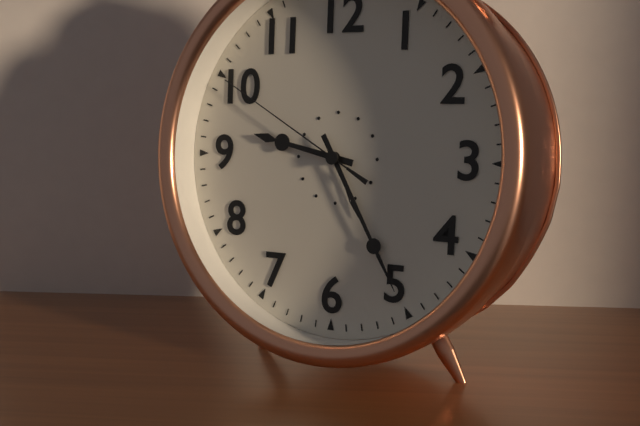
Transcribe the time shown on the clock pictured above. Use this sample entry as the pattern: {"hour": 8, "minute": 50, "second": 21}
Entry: {"hour": 9, "minute": 25, "second": 50}
